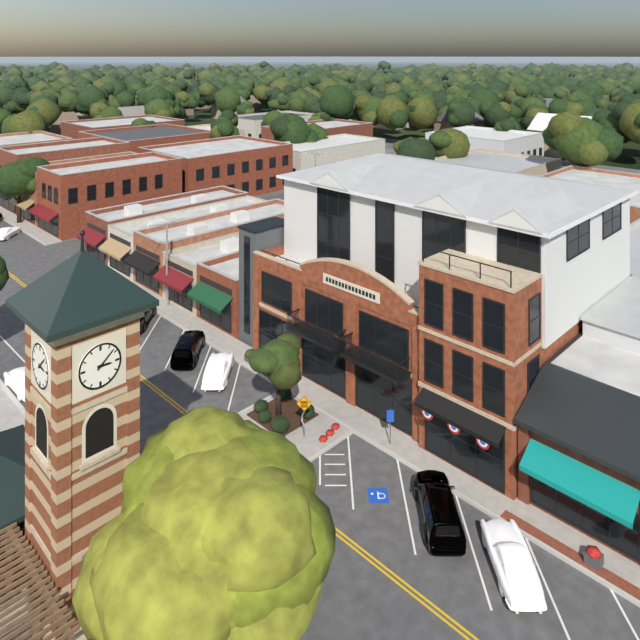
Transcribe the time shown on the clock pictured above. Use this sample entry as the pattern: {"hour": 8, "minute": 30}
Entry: {"hour": 3, "minute": 8}
